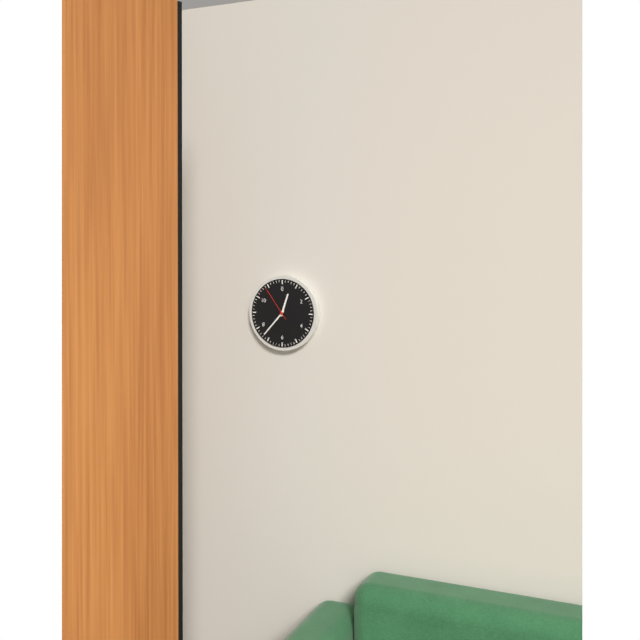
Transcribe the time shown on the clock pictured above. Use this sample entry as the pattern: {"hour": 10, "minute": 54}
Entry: {"hour": 12, "minute": 37}
